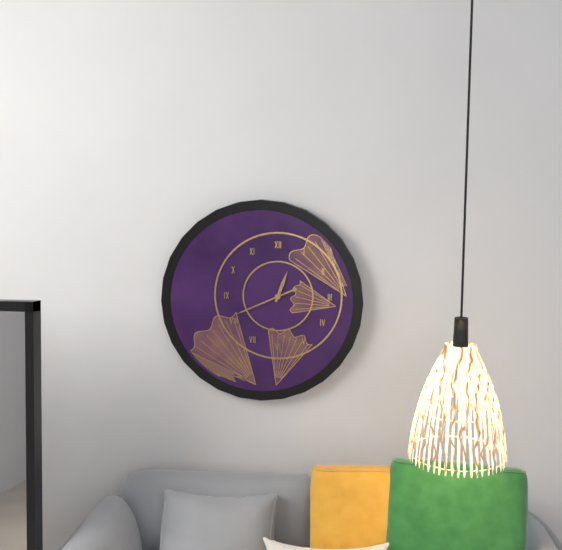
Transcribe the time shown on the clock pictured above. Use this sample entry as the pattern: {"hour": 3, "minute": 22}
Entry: {"hour": 12, "minute": 41}
